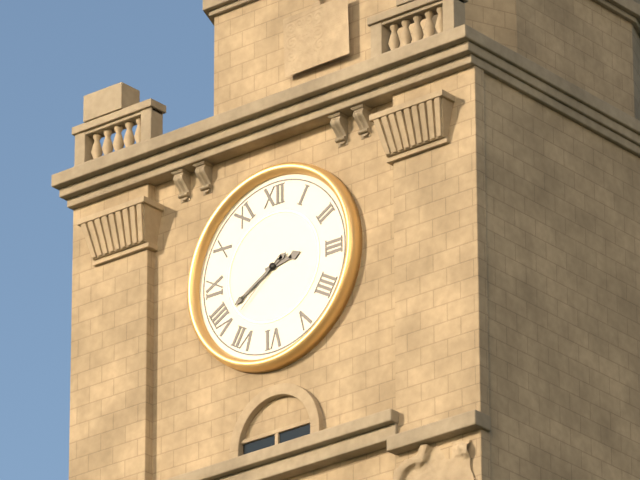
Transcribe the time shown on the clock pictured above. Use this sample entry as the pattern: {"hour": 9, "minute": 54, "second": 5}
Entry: {"hour": 2, "minute": 40, "second": 38}
